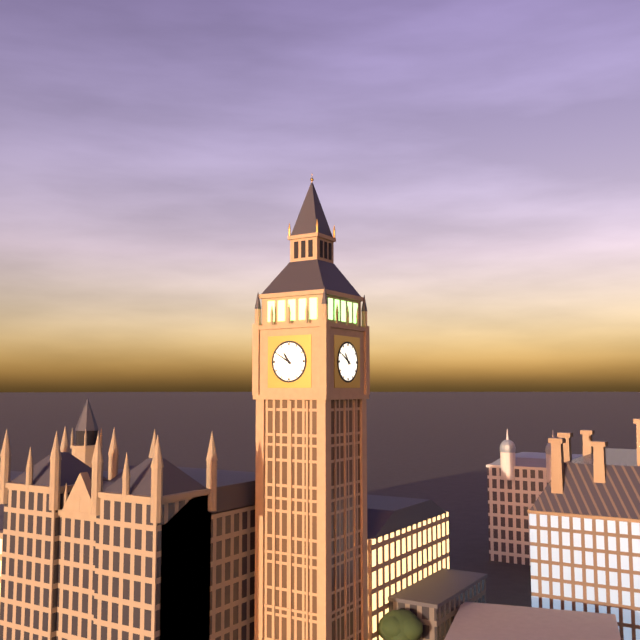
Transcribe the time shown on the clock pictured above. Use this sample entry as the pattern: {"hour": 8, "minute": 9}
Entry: {"hour": 10, "minute": 50}
